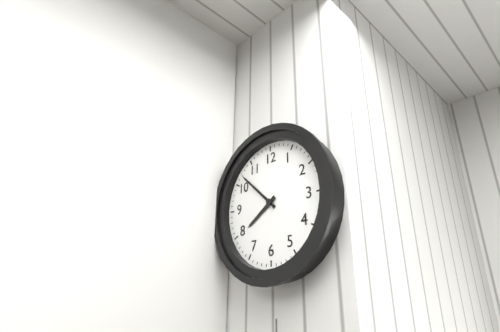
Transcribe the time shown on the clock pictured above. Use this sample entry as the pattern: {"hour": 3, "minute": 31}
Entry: {"hour": 7, "minute": 52}
